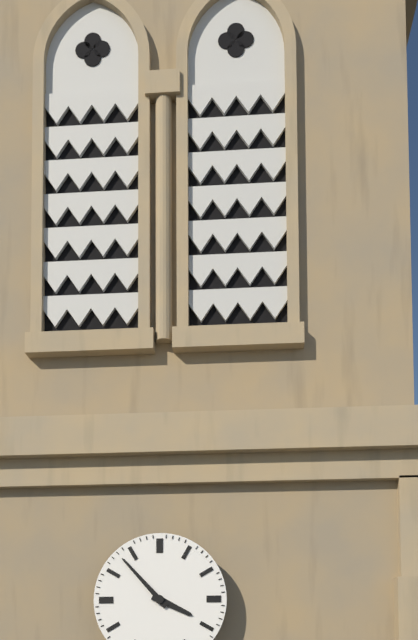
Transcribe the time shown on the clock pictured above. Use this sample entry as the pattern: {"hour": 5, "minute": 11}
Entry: {"hour": 3, "minute": 53}
